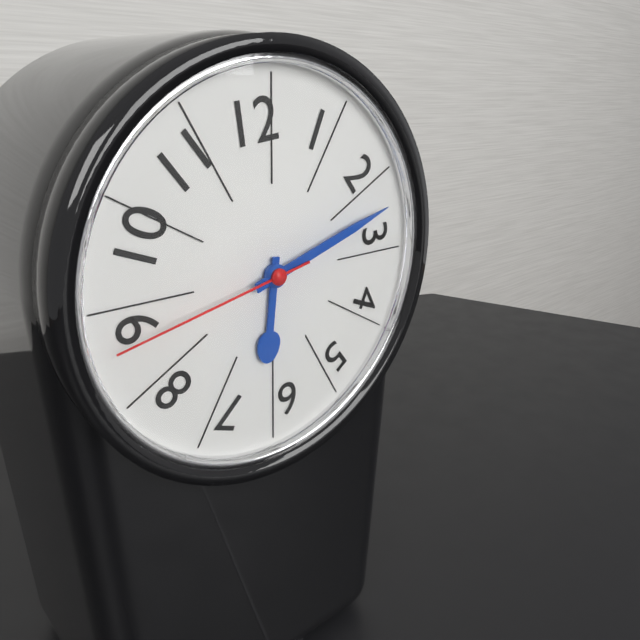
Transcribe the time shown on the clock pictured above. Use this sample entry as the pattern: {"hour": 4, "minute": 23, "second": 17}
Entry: {"hour": 6, "minute": 12, "second": 43}
